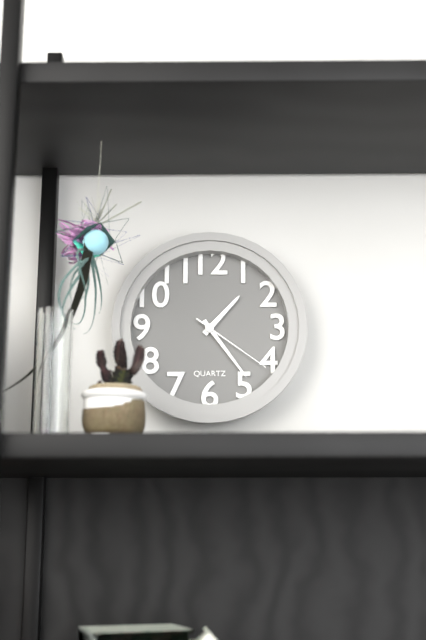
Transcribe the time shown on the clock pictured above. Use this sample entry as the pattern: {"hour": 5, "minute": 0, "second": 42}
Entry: {"hour": 1, "minute": 24, "second": 21}
